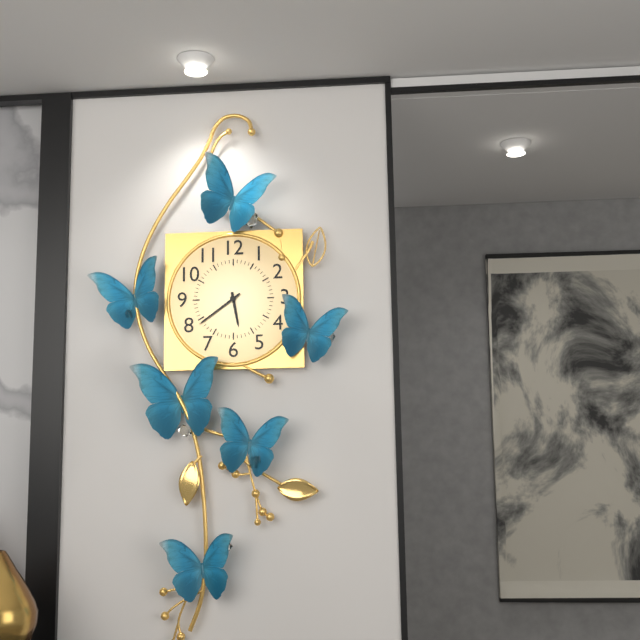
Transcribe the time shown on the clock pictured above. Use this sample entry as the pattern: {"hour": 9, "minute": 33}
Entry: {"hour": 5, "minute": 39}
